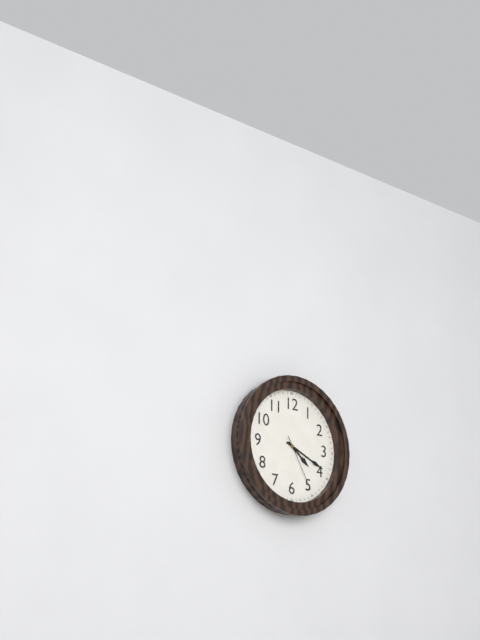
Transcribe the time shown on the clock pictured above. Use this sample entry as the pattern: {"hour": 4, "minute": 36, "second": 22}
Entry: {"hour": 4, "minute": 19, "second": 25}
